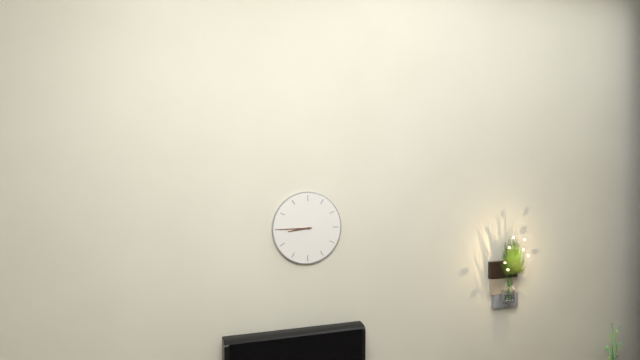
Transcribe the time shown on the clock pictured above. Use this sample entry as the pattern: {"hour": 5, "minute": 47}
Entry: {"hour": 8, "minute": 45}
